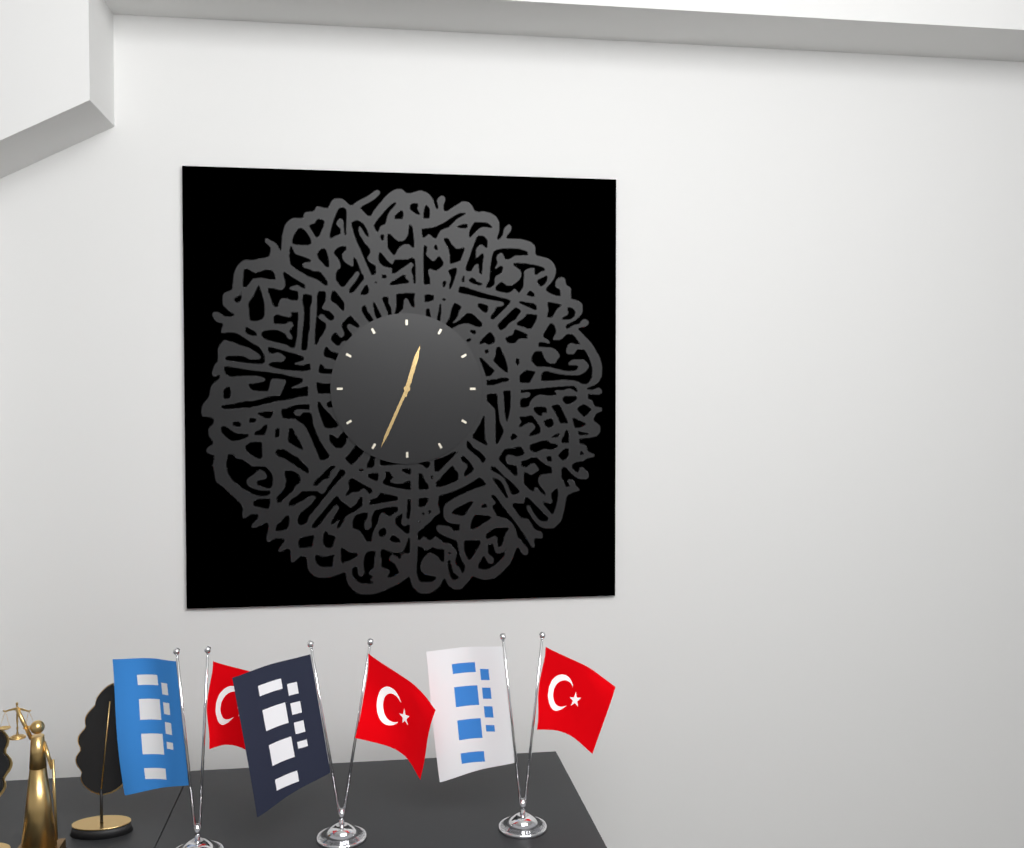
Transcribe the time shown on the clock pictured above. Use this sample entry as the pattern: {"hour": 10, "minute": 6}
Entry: {"hour": 12, "minute": 34}
